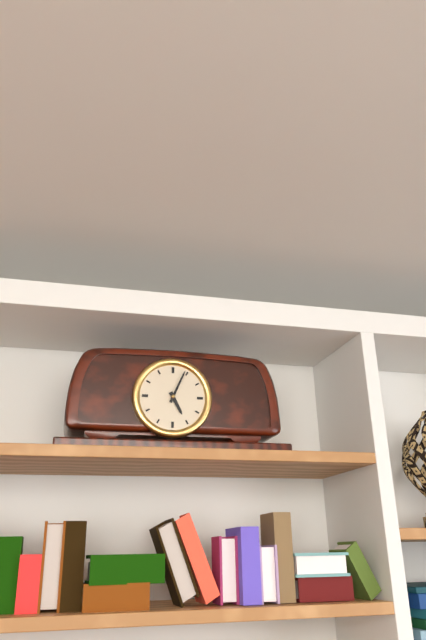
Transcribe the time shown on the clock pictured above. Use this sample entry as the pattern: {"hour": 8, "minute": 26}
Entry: {"hour": 5, "minute": 4}
